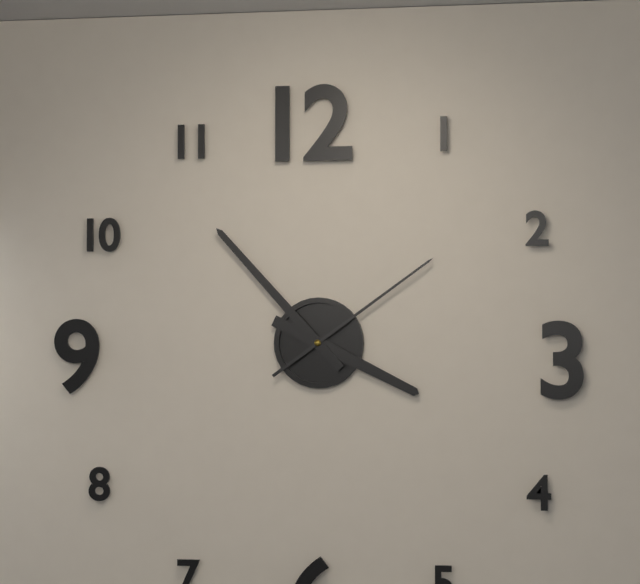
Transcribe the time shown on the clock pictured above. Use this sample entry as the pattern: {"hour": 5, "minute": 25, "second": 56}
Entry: {"hour": 3, "minute": 53, "second": 9}
